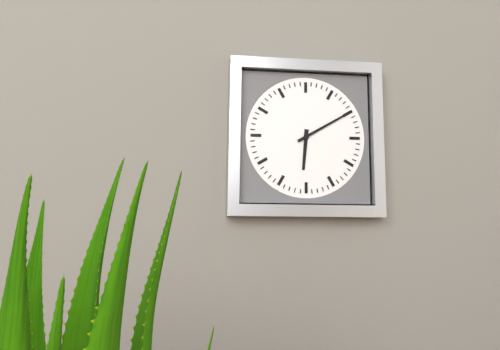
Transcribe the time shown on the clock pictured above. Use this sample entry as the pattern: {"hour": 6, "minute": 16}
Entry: {"hour": 6, "minute": 10}
